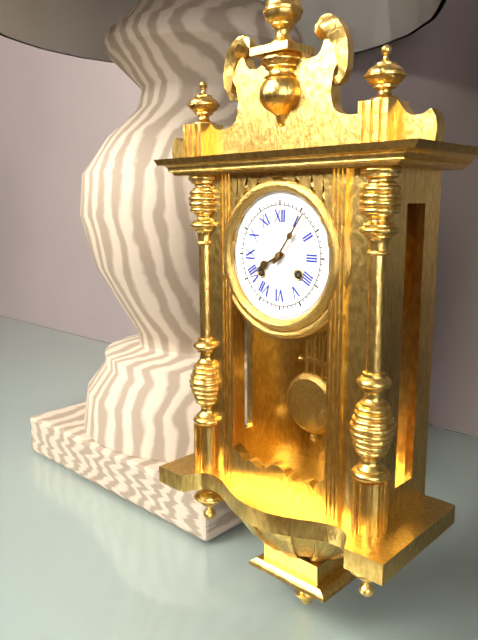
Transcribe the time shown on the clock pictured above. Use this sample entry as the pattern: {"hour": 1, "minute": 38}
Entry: {"hour": 8, "minute": 6}
